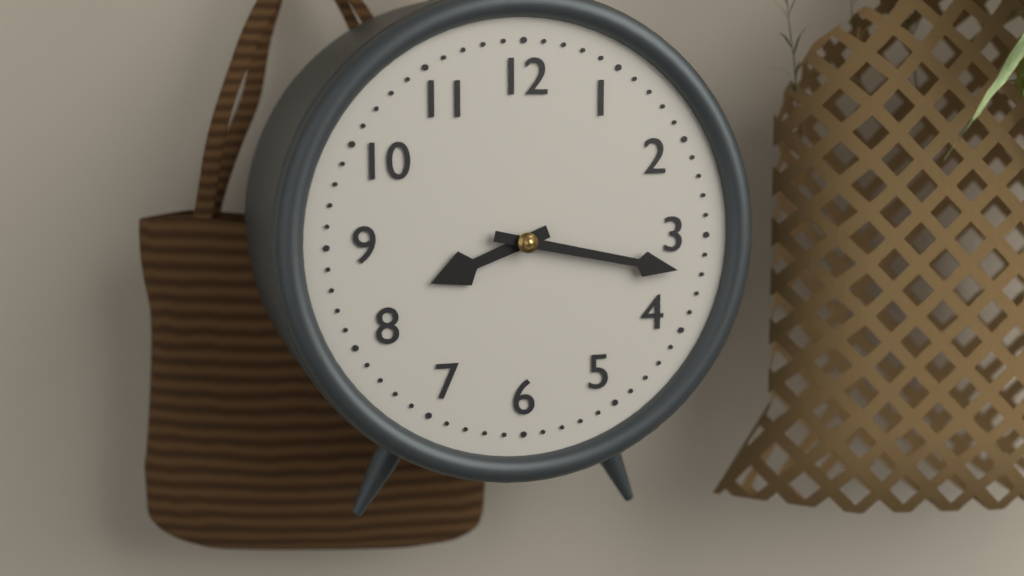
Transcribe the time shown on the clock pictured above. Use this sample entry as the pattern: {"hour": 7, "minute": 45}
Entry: {"hour": 8, "minute": 17}
